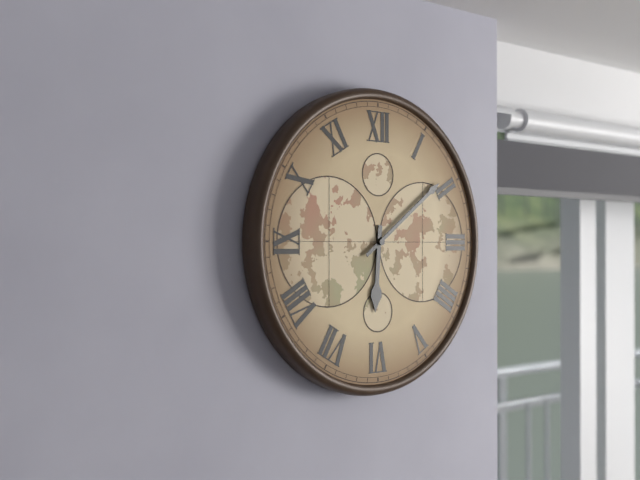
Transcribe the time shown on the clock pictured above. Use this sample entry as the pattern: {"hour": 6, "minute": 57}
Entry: {"hour": 6, "minute": 9}
